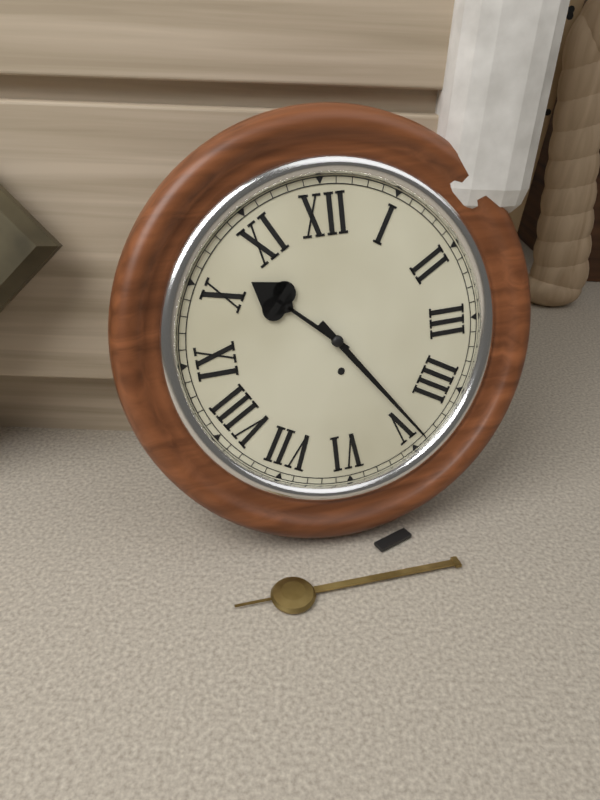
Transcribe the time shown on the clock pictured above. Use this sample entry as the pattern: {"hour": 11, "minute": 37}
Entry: {"hour": 10, "minute": 24}
